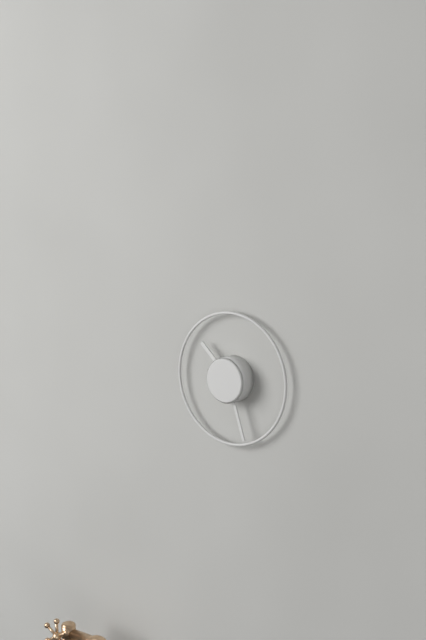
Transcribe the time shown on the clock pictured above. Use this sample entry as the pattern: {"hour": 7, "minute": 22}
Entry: {"hour": 10, "minute": 27}
